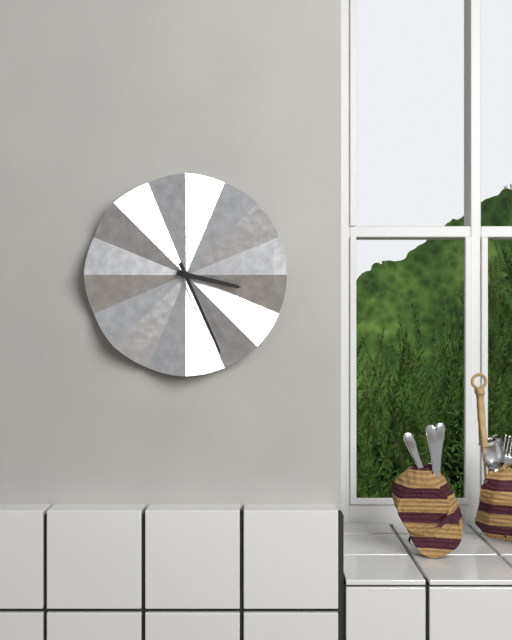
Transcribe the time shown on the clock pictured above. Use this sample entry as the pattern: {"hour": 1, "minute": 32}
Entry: {"hour": 3, "minute": 26}
